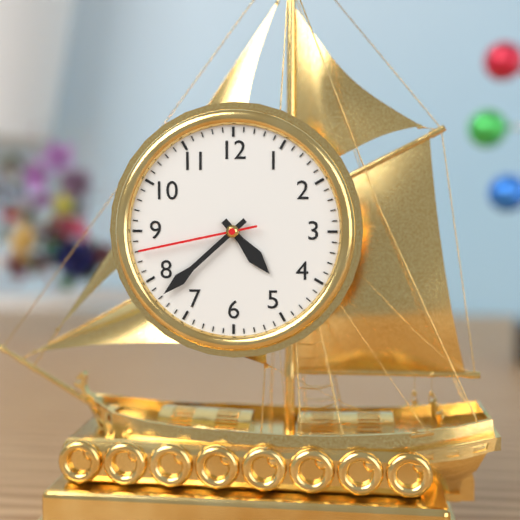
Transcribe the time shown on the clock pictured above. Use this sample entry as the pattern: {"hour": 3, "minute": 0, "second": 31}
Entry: {"hour": 4, "minute": 38, "second": 43}
